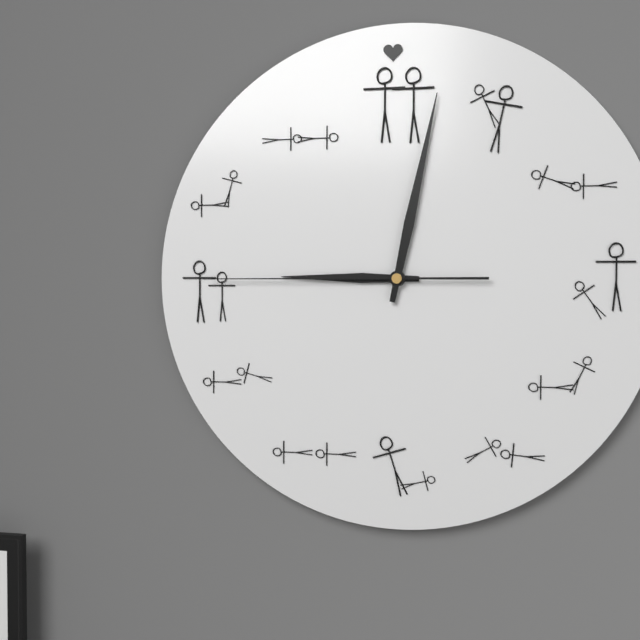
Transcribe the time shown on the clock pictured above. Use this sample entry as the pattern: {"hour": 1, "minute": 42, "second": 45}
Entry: {"hour": 9, "minute": 2, "second": 45}
